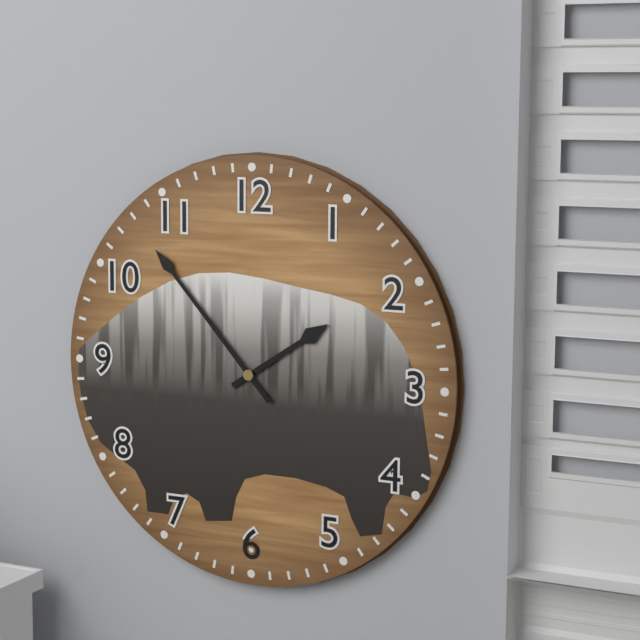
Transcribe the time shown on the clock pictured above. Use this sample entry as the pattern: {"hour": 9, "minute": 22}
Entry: {"hour": 1, "minute": 53}
